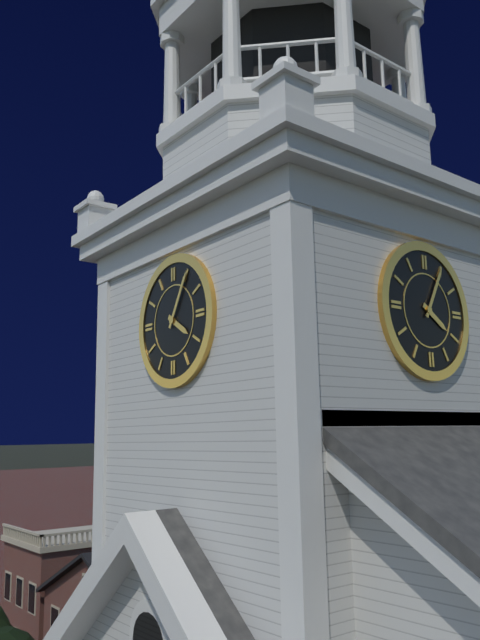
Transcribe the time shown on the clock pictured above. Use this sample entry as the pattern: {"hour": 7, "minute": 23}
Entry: {"hour": 4, "minute": 5}
